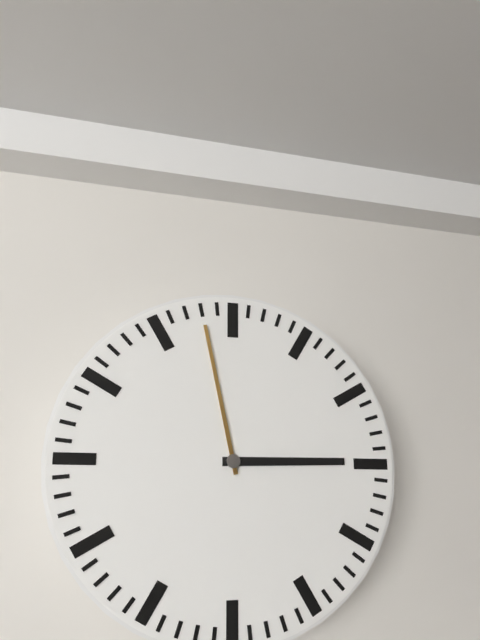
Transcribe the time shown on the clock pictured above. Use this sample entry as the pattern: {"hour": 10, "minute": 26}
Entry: {"hour": 2, "minute": 58}
